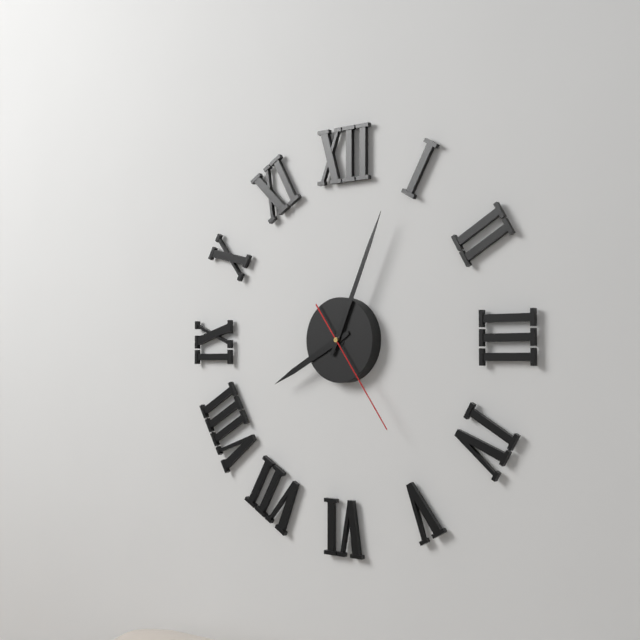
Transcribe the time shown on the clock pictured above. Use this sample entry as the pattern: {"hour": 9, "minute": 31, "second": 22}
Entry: {"hour": 8, "minute": 4, "second": 24}
